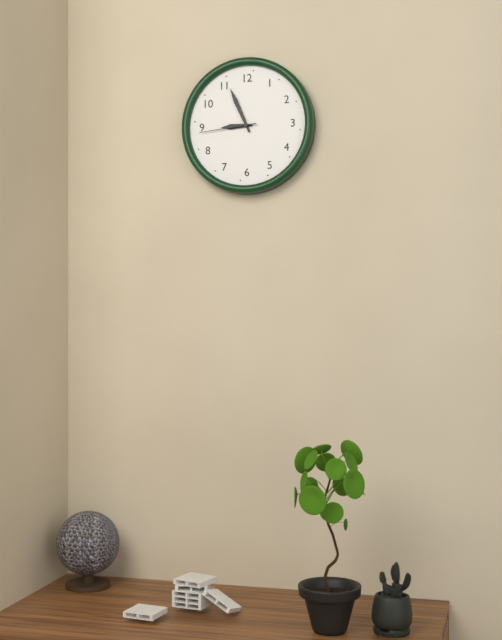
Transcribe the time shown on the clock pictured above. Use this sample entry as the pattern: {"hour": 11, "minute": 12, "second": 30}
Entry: {"hour": 8, "minute": 56, "second": 44}
